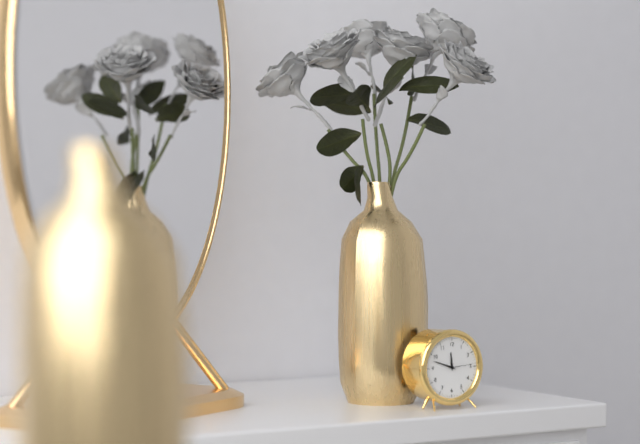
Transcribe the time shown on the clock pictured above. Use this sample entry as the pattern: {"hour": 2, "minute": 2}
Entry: {"hour": 11, "minute": 48}
